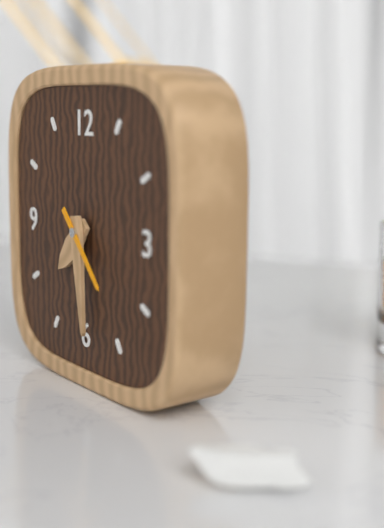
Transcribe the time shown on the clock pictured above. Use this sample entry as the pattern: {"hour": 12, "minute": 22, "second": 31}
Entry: {"hour": 7, "minute": 29, "second": 23}
